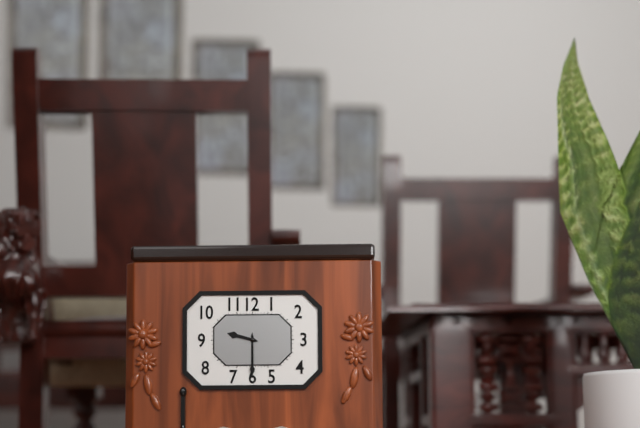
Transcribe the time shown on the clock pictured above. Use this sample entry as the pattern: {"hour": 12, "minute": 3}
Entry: {"hour": 9, "minute": 30}
